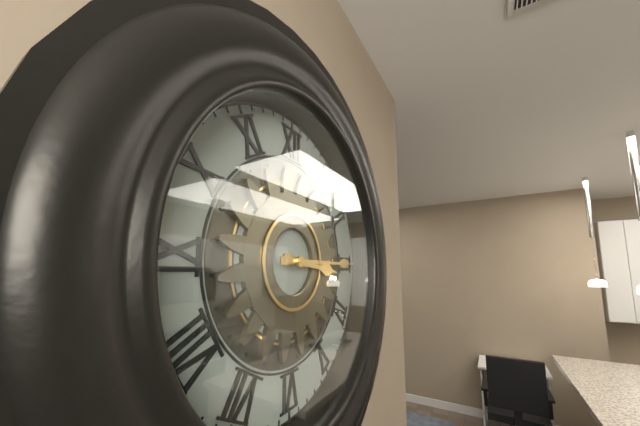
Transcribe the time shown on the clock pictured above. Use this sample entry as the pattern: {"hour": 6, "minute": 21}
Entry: {"hour": 3, "minute": 15}
